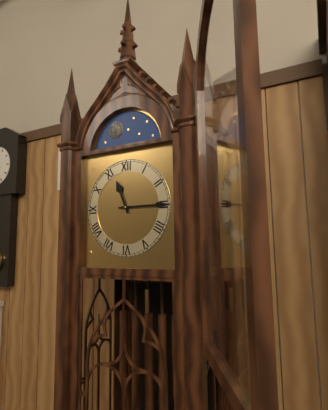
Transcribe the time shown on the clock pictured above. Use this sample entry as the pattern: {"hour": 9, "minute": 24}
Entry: {"hour": 11, "minute": 15}
